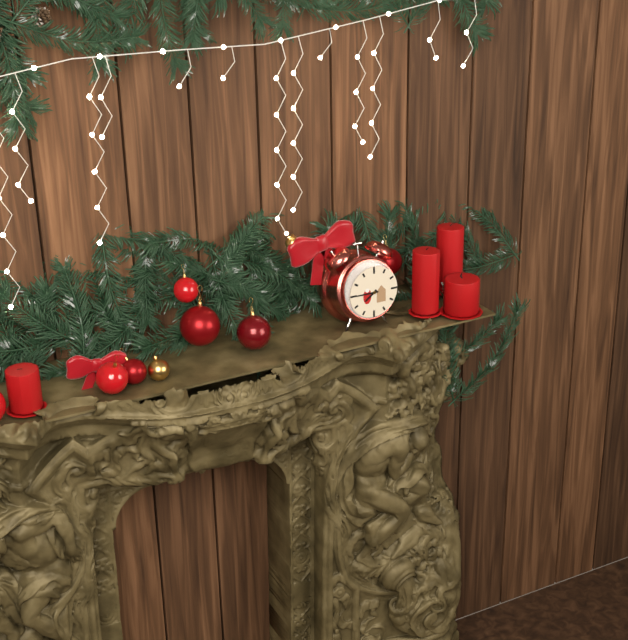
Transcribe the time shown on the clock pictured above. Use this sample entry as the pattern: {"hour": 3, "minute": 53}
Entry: {"hour": 7, "minute": 45}
